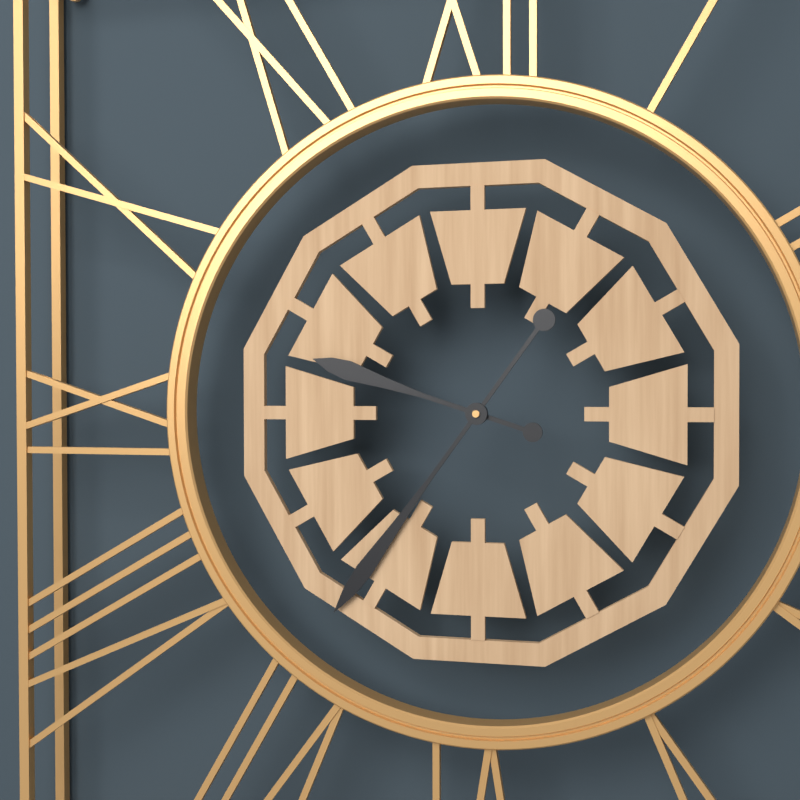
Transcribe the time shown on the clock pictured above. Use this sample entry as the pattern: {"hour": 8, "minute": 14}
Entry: {"hour": 9, "minute": 36}
